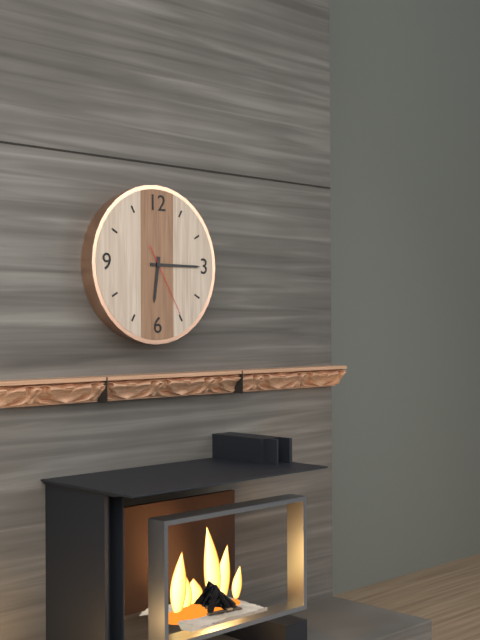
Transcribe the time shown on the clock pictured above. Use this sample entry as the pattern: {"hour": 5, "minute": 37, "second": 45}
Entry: {"hour": 6, "minute": 15, "second": 25}
